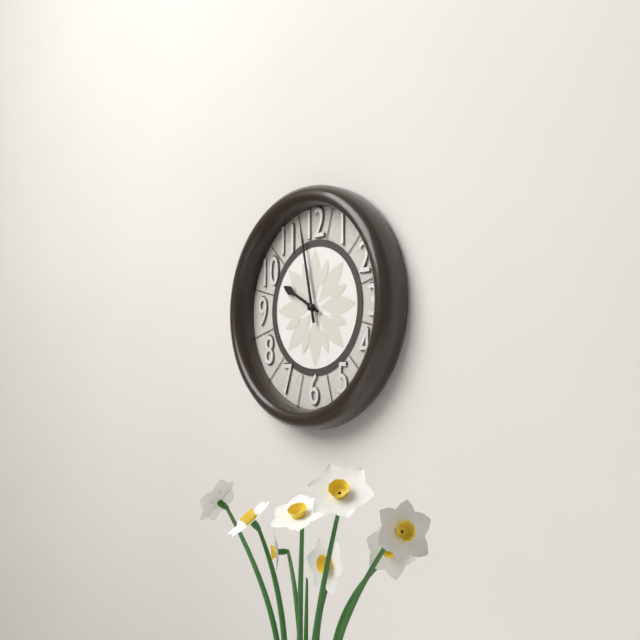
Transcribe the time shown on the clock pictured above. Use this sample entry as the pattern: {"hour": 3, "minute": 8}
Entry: {"hour": 9, "minute": 58}
